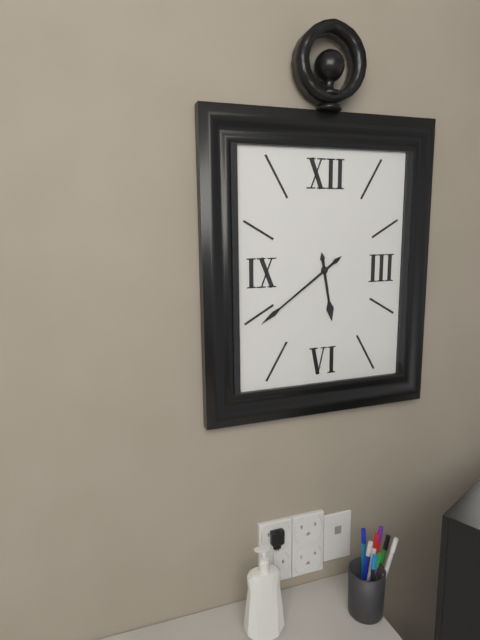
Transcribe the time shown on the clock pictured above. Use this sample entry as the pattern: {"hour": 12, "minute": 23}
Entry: {"hour": 5, "minute": 39}
